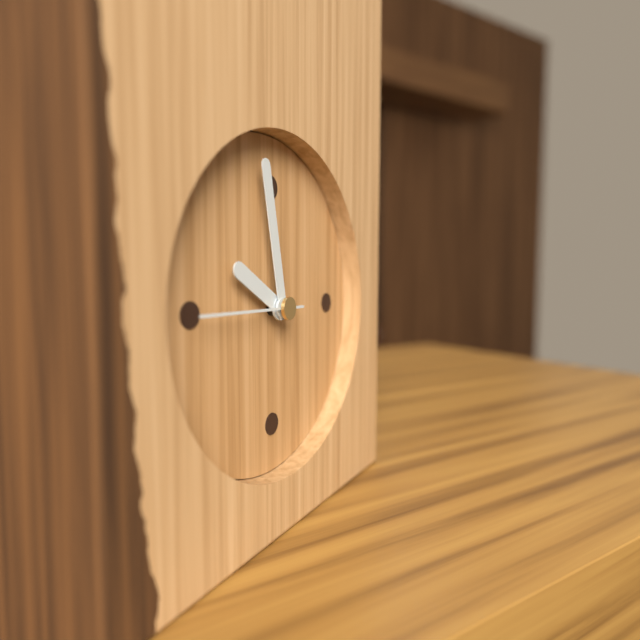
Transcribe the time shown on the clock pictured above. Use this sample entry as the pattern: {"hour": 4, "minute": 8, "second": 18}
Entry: {"hour": 9, "minute": 58, "second": 45}
